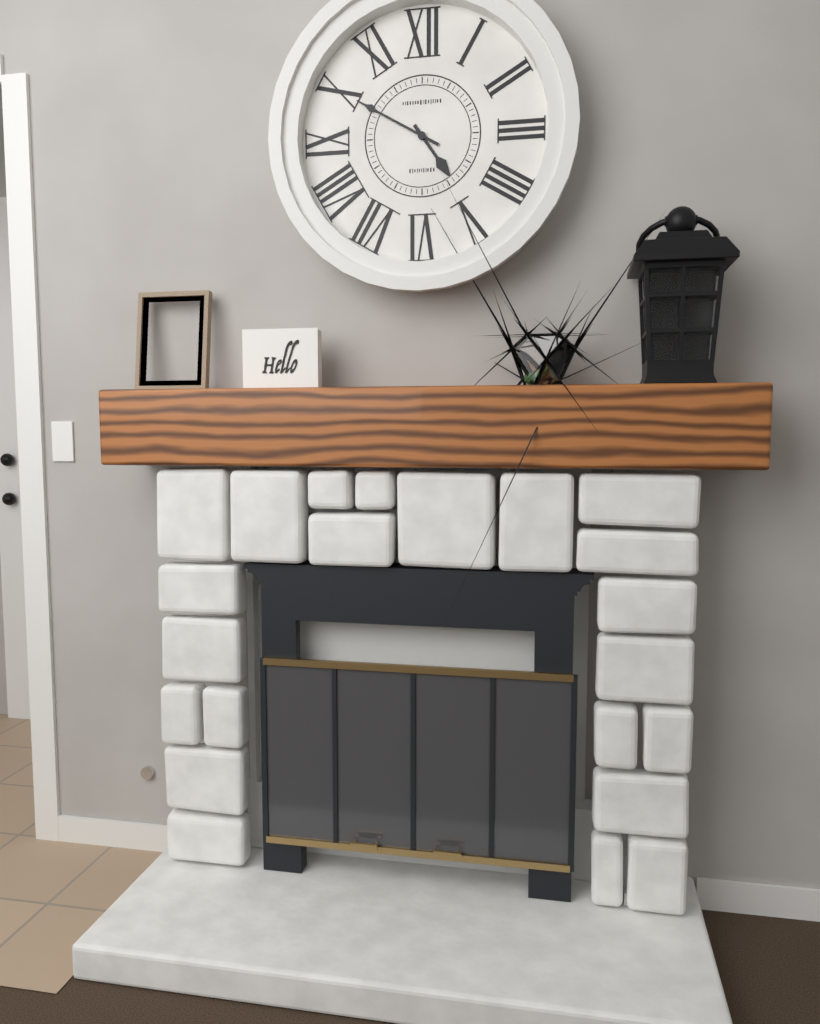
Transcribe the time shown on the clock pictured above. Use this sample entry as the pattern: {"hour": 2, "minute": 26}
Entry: {"hour": 4, "minute": 50}
